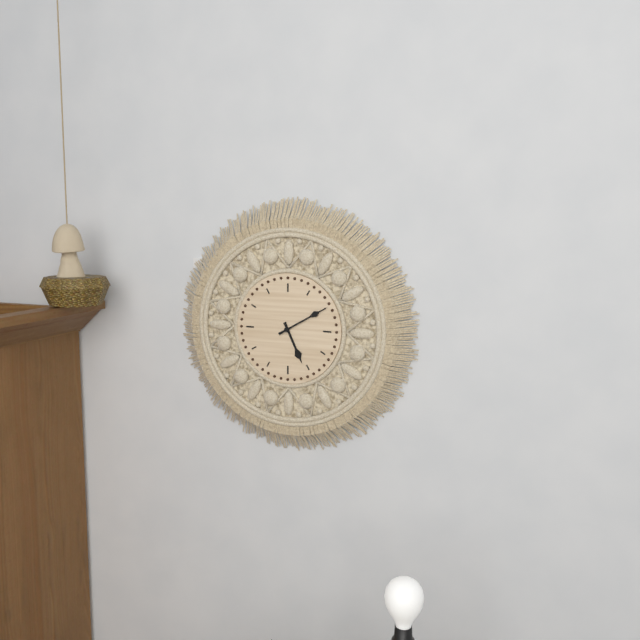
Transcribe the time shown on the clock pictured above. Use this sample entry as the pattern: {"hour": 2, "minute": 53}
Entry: {"hour": 5, "minute": 10}
